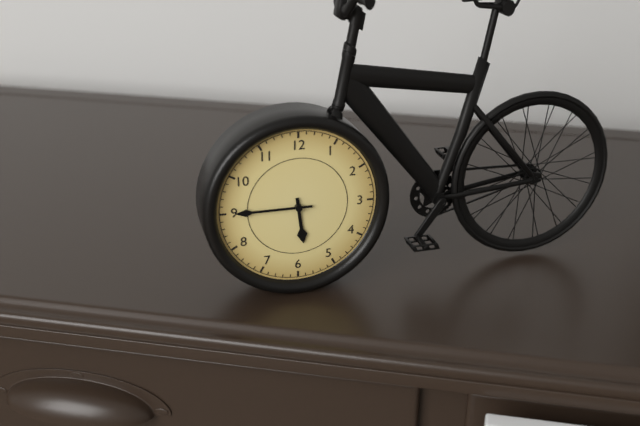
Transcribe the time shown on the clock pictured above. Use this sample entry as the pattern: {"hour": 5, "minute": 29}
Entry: {"hour": 5, "minute": 45}
